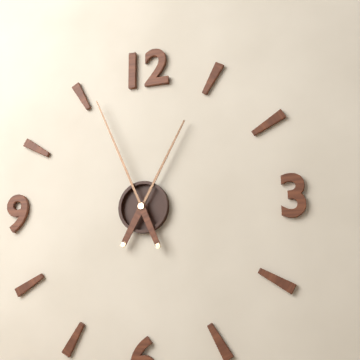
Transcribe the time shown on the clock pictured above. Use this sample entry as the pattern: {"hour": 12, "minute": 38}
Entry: {"hour": 12, "minute": 56}
